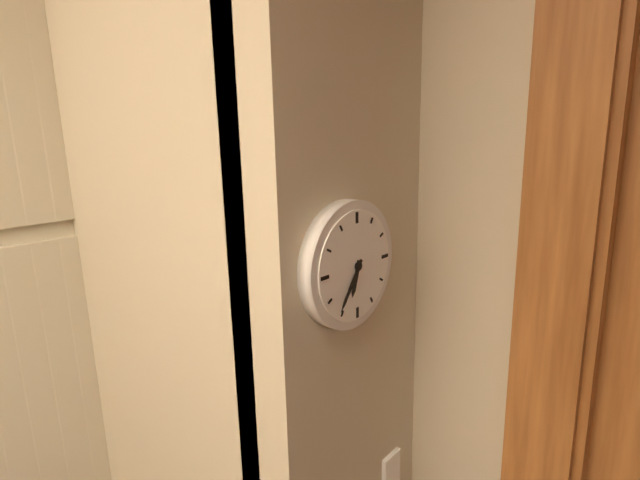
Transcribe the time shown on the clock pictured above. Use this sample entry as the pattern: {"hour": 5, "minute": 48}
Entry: {"hour": 6, "minute": 36}
